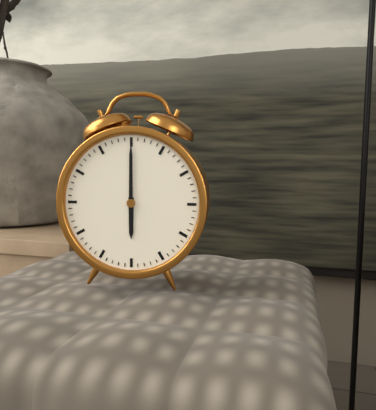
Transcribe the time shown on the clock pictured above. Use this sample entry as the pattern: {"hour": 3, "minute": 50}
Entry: {"hour": 6, "minute": 0}
